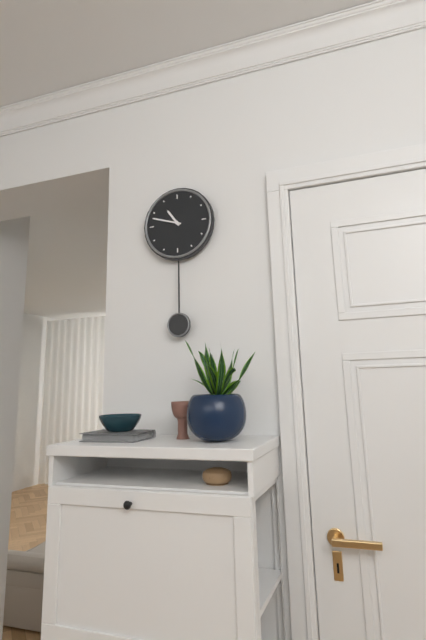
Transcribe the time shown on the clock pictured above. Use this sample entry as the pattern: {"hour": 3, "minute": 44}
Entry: {"hour": 10, "minute": 48}
